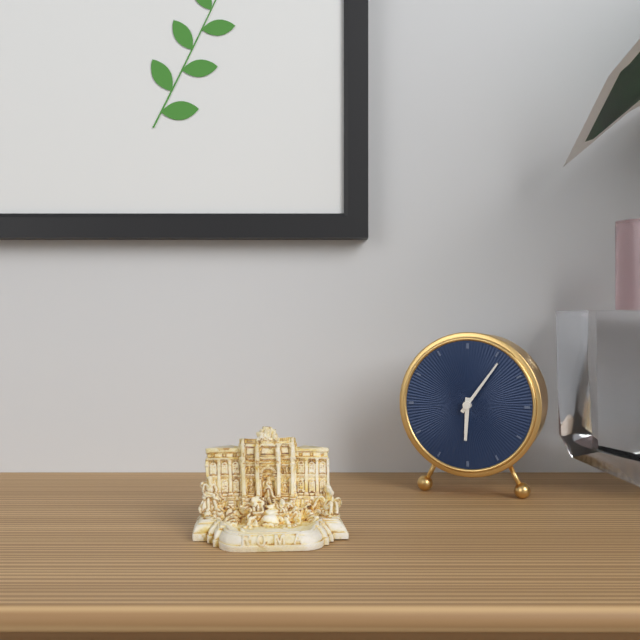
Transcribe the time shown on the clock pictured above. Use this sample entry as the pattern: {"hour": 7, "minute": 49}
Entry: {"hour": 6, "minute": 6}
